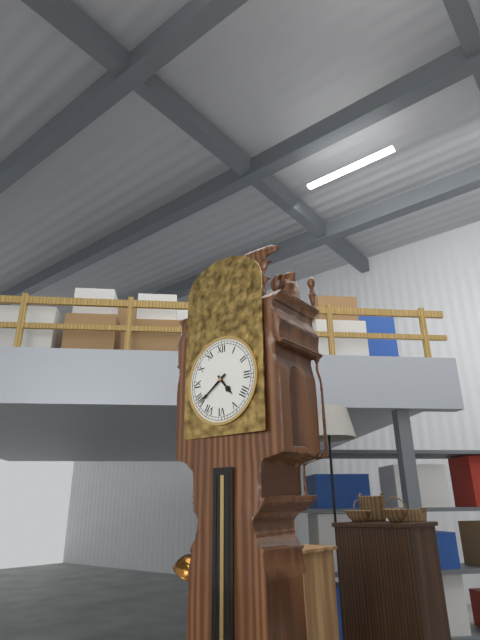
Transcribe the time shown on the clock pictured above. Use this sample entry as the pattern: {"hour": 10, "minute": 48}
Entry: {"hour": 4, "minute": 39}
